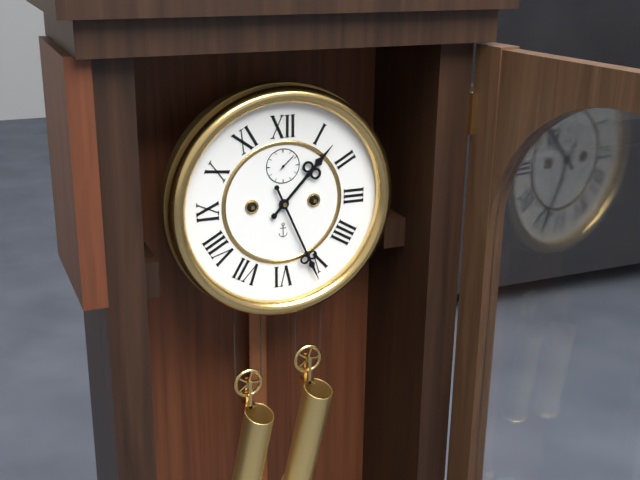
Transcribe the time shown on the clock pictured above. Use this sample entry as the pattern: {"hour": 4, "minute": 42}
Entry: {"hour": 1, "minute": 26}
